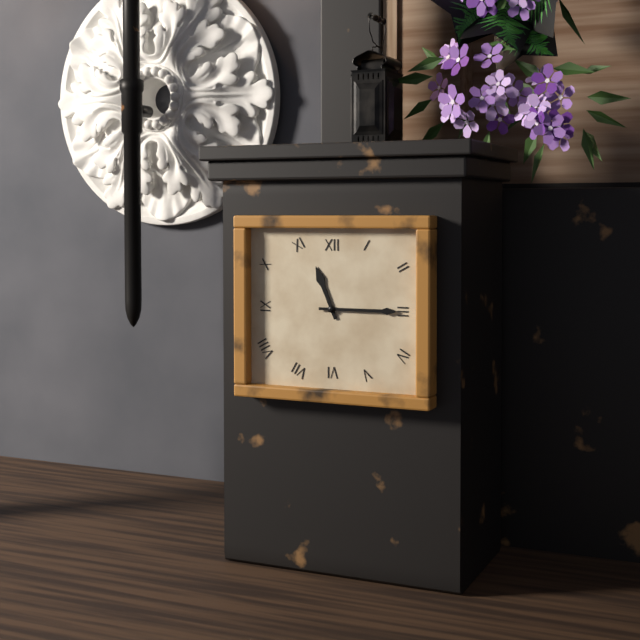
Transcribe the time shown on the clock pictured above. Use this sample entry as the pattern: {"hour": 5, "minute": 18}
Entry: {"hour": 11, "minute": 15}
